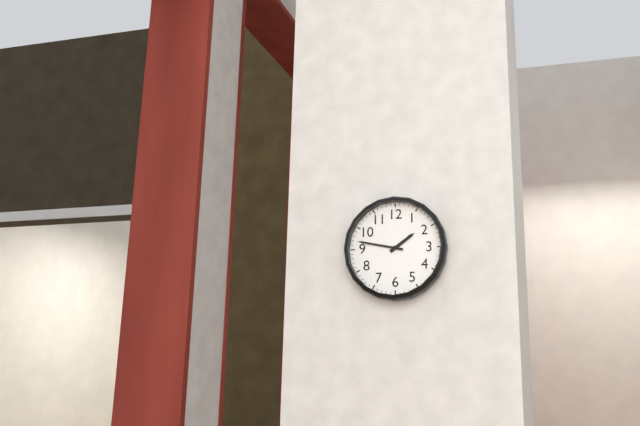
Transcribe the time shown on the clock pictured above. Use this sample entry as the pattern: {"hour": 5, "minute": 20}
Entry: {"hour": 1, "minute": 47}
